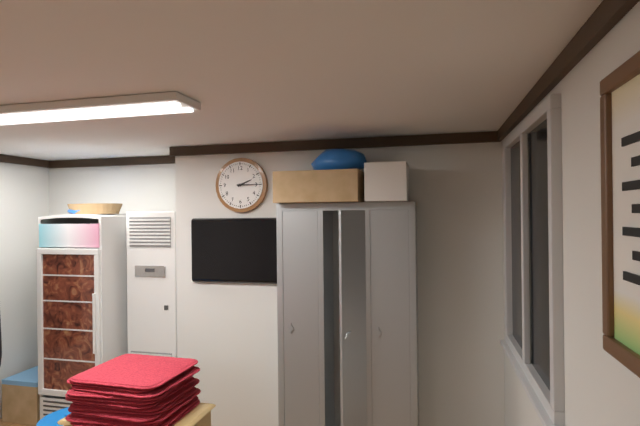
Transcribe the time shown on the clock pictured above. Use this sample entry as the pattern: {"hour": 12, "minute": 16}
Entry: {"hour": 2, "minute": 15}
